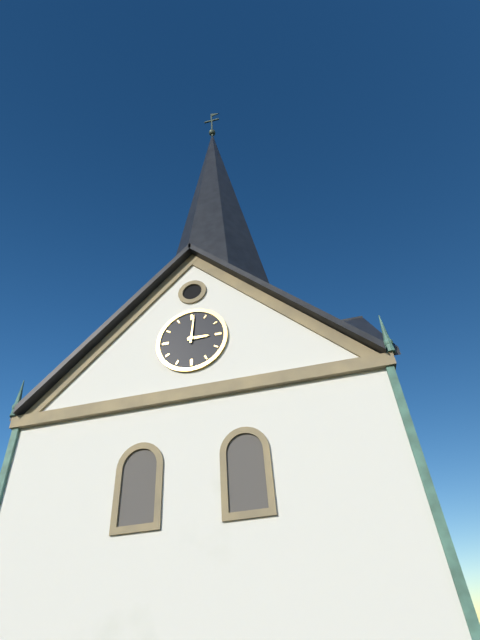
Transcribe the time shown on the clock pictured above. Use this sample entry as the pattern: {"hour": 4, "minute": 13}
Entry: {"hour": 3, "minute": 1}
